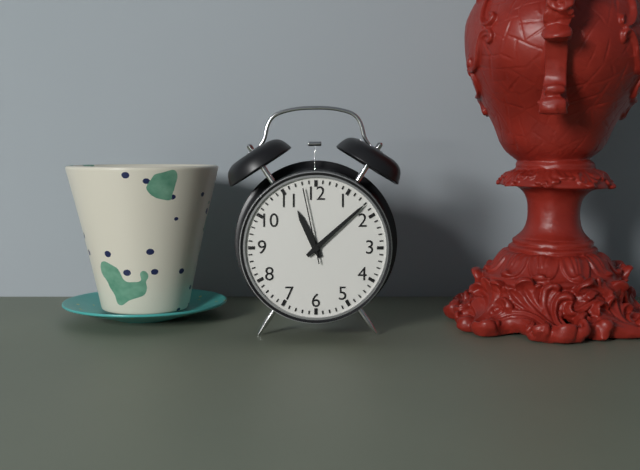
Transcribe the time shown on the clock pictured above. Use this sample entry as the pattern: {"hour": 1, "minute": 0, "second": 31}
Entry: {"hour": 11, "minute": 8, "second": 58}
